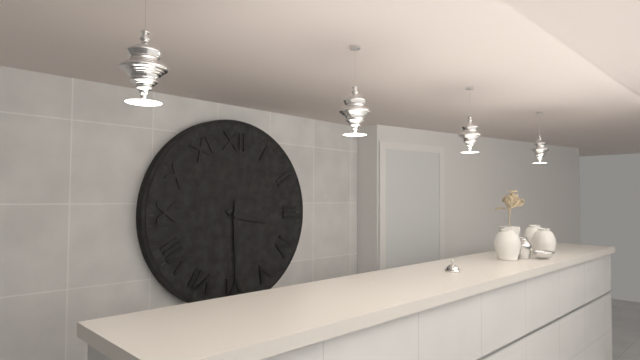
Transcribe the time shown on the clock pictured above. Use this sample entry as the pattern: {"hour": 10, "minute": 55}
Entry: {"hour": 3, "minute": 30}
